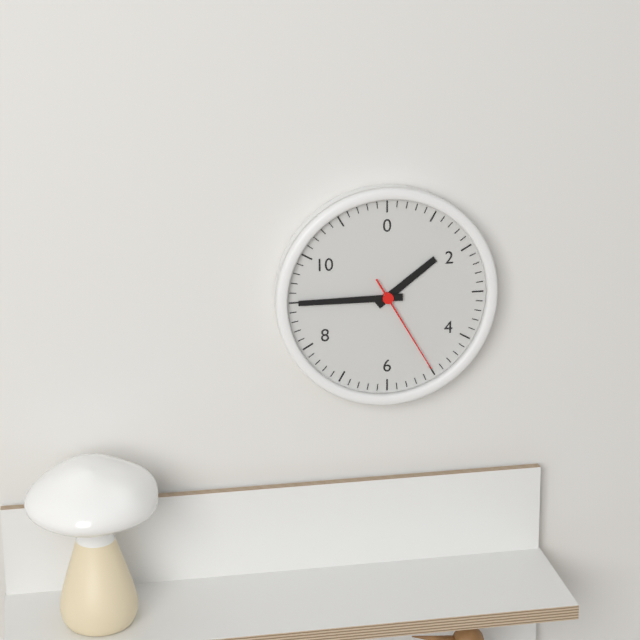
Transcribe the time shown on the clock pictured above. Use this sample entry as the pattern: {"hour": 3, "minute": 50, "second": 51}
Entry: {"hour": 1, "minute": 45, "second": 25}
